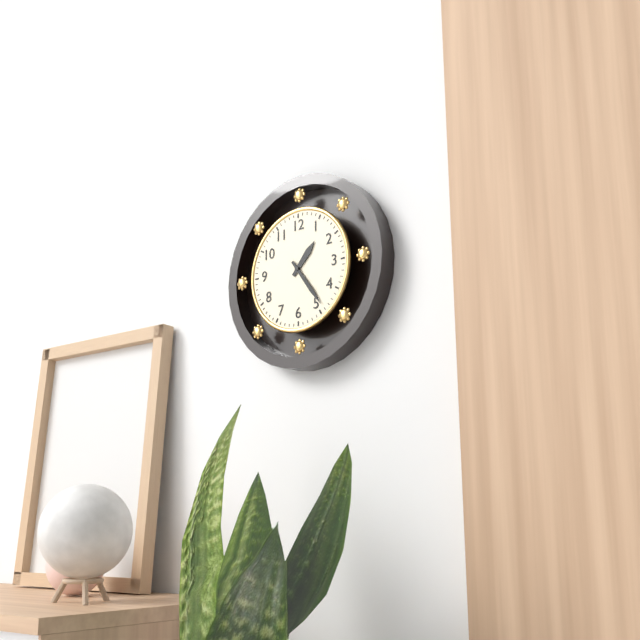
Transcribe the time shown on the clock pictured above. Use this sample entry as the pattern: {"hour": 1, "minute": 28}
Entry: {"hour": 1, "minute": 24}
